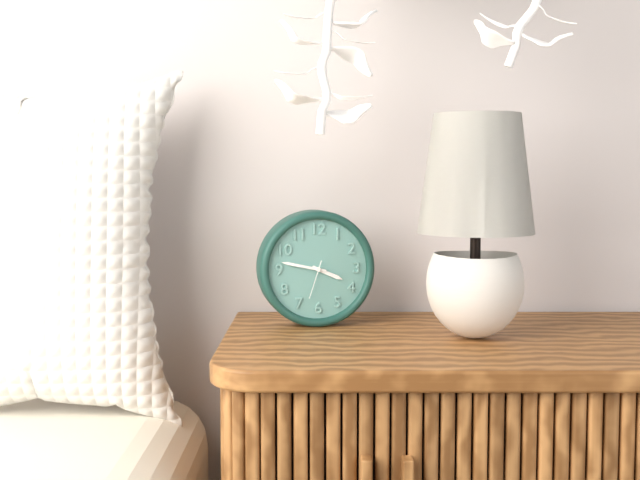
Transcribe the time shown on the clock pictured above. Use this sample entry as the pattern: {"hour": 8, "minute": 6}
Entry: {"hour": 3, "minute": 47}
